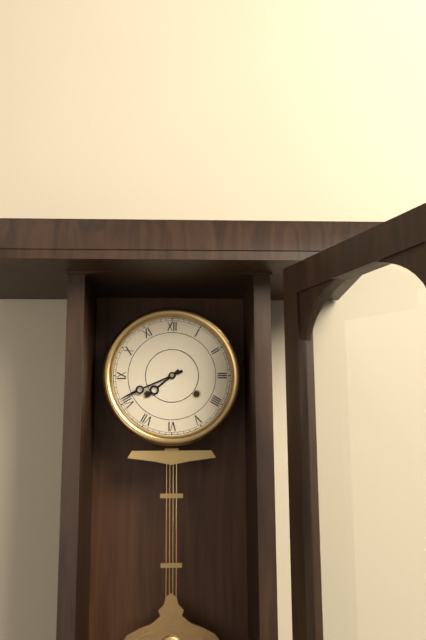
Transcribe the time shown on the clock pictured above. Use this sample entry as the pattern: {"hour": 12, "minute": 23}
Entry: {"hour": 7, "minute": 41}
